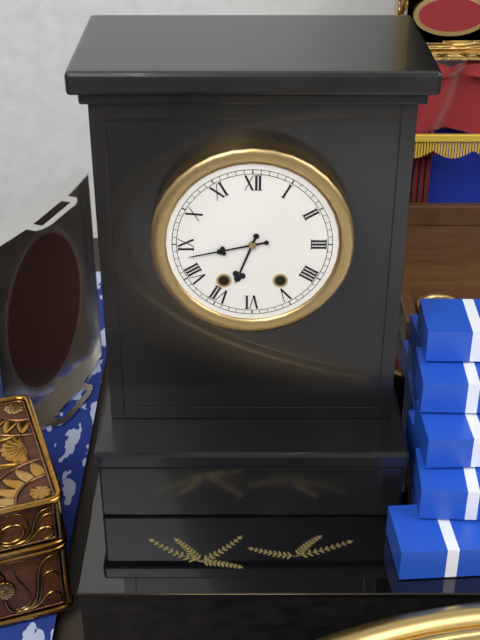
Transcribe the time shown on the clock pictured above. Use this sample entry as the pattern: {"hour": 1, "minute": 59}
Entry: {"hour": 6, "minute": 43}
